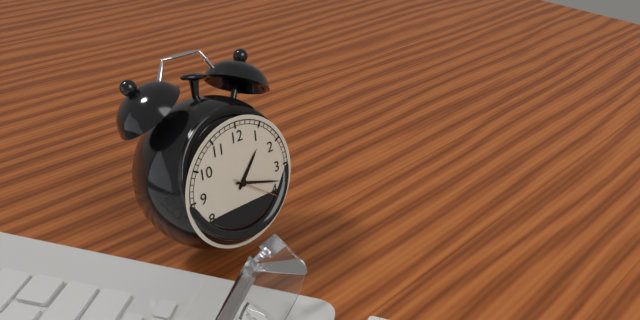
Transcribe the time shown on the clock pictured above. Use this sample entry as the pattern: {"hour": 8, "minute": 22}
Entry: {"hour": 1, "minute": 18}
